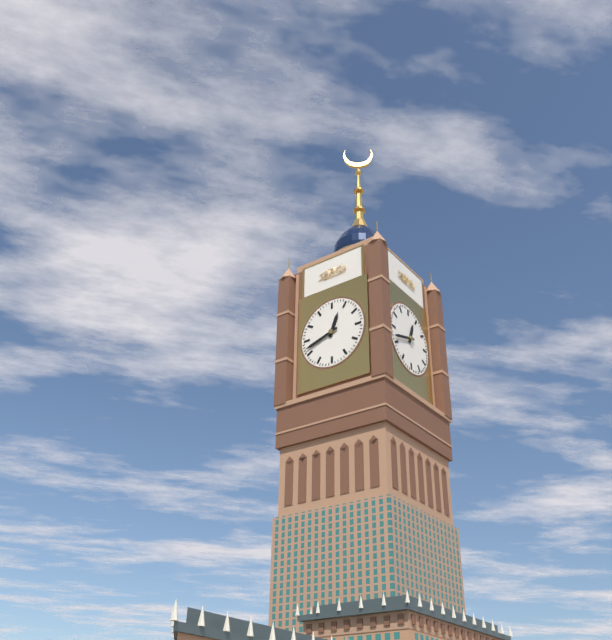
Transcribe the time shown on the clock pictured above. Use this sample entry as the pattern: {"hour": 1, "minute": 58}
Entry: {"hour": 12, "minute": 42}
